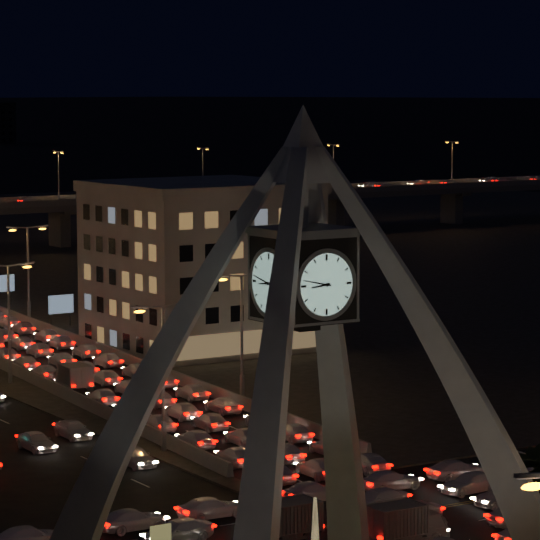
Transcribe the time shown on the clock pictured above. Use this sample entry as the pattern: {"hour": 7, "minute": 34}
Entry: {"hour": 8, "minute": 47}
